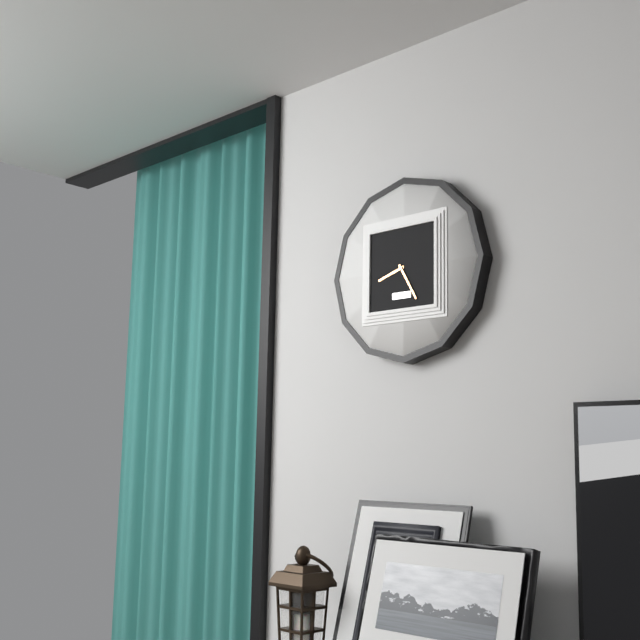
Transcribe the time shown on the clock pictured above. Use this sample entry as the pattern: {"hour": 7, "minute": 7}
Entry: {"hour": 8, "minute": 25}
